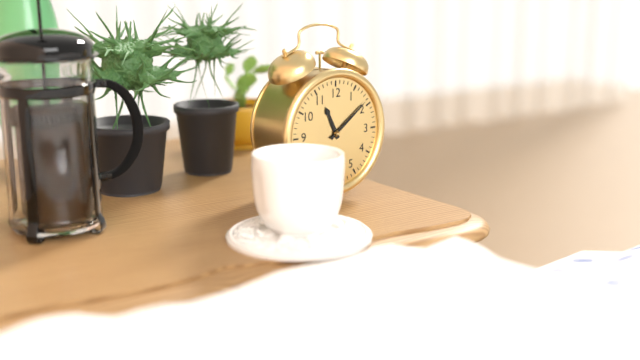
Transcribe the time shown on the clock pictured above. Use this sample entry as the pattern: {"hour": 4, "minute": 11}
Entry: {"hour": 11, "minute": 9}
